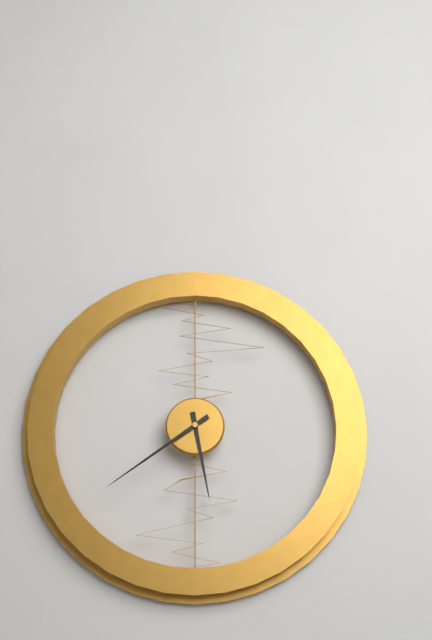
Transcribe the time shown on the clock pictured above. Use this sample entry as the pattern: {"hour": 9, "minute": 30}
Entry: {"hour": 5, "minute": 39}
